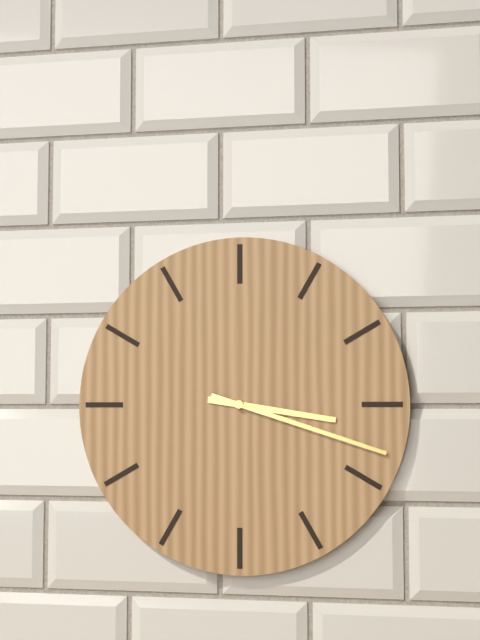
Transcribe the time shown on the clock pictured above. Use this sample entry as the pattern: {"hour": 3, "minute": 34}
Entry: {"hour": 3, "minute": 18}
